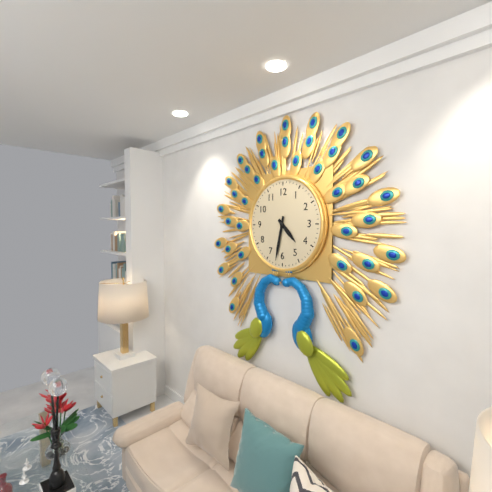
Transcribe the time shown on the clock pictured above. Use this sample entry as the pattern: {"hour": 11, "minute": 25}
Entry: {"hour": 4, "minute": 32}
